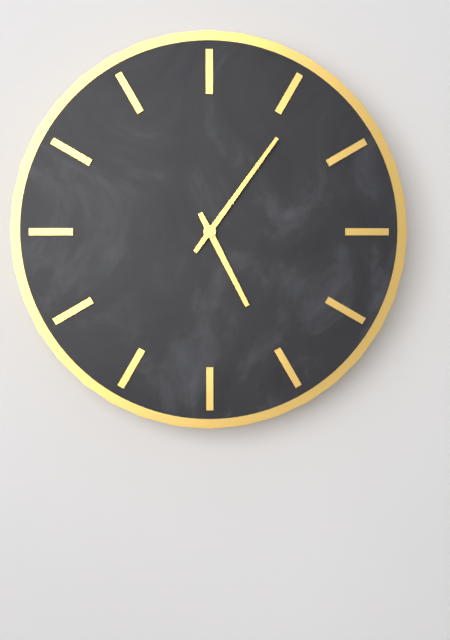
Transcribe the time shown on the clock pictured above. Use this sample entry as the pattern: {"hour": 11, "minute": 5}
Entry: {"hour": 5, "minute": 6}
